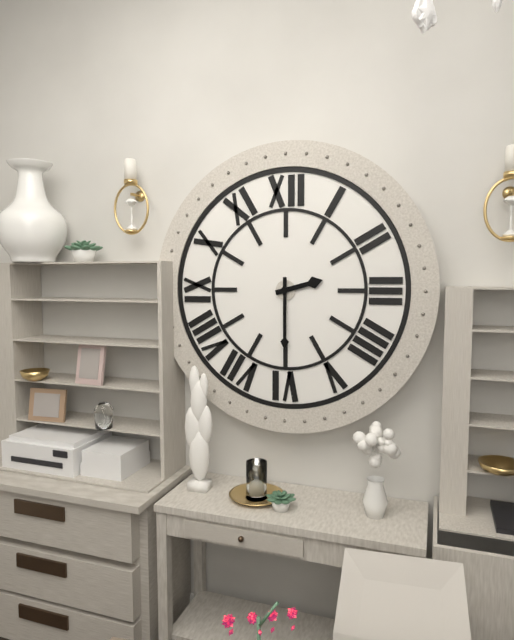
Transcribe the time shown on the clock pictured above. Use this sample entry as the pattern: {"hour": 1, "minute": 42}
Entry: {"hour": 2, "minute": 30}
